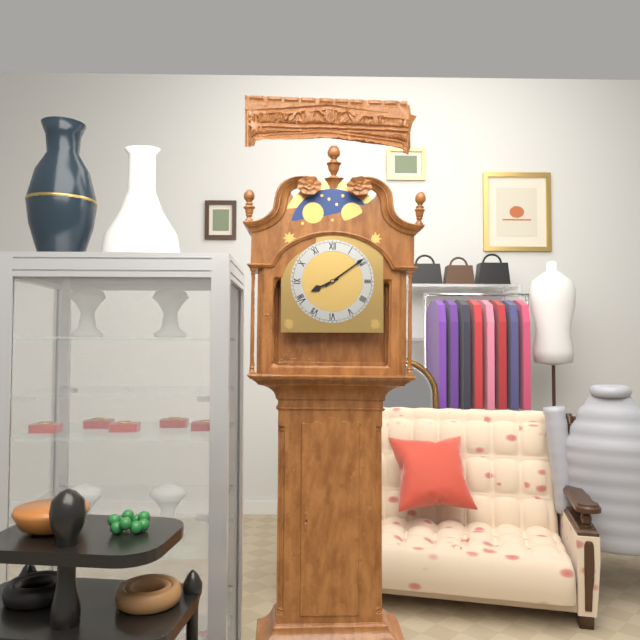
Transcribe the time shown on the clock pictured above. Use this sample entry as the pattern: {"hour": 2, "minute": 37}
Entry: {"hour": 8, "minute": 9}
